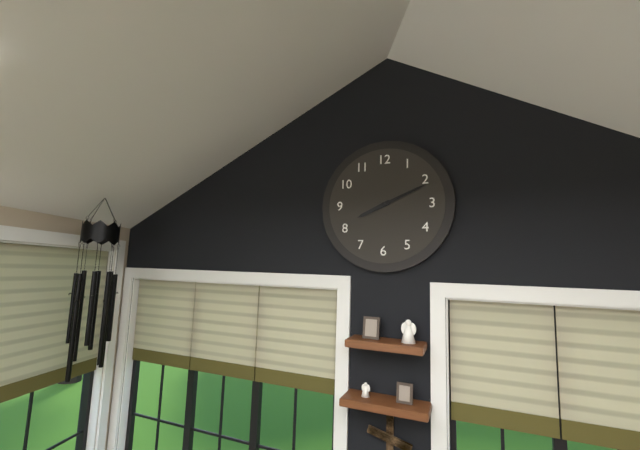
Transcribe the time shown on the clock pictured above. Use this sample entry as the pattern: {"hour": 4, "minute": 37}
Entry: {"hour": 8, "minute": 11}
